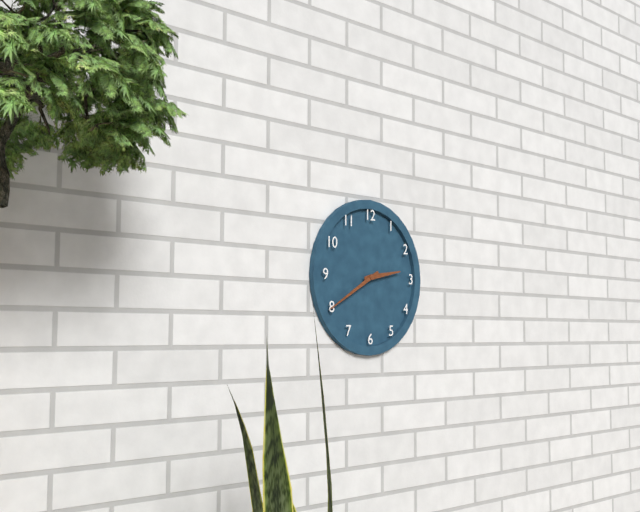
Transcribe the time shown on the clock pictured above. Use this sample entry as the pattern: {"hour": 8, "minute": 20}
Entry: {"hour": 2, "minute": 40}
